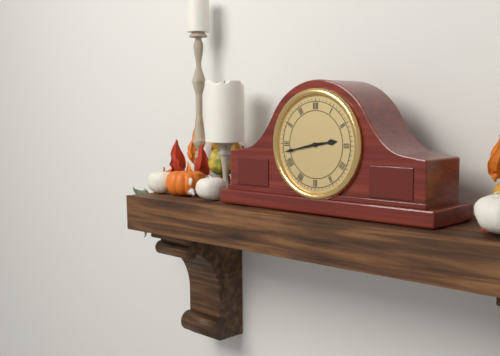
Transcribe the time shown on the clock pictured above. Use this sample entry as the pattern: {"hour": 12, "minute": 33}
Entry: {"hour": 2, "minute": 43}
